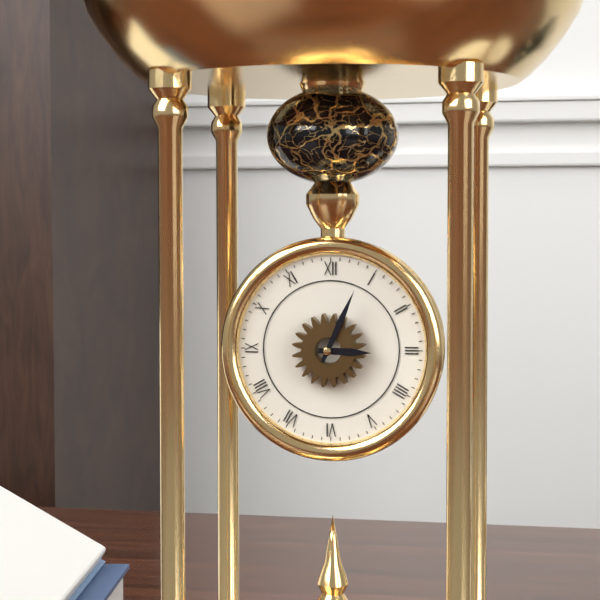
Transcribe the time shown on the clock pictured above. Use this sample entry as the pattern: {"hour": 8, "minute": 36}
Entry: {"hour": 3, "minute": 4}
